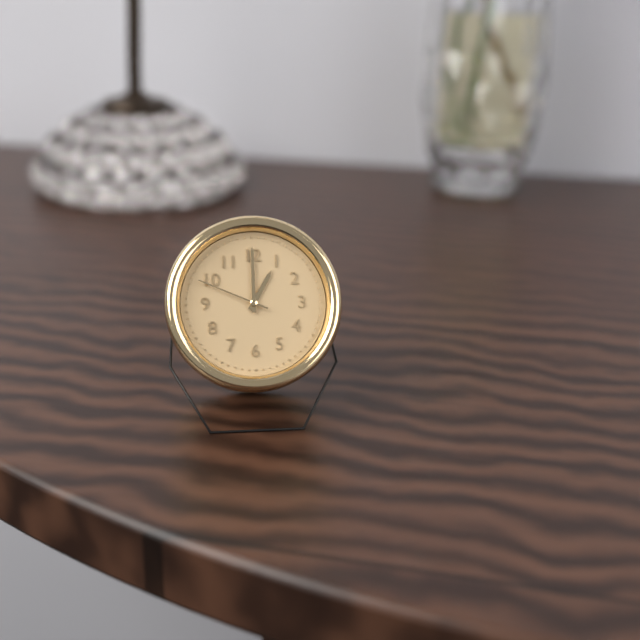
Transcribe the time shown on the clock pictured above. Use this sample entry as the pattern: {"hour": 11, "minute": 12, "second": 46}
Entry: {"hour": 1, "minute": 0, "second": 49}
